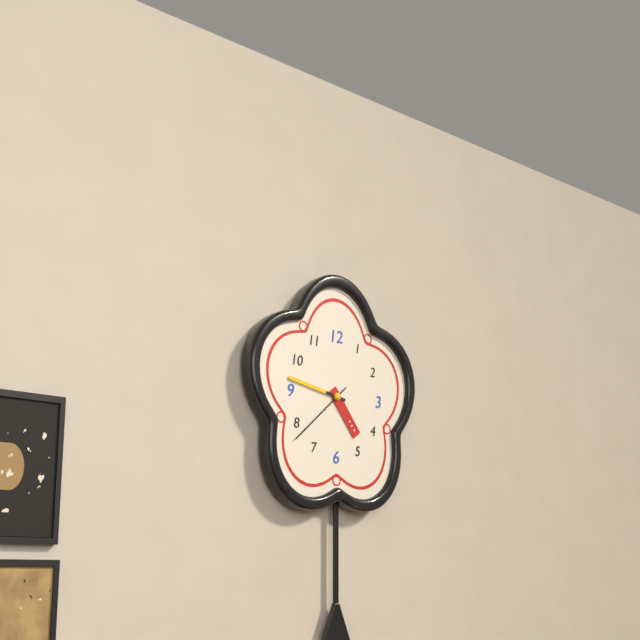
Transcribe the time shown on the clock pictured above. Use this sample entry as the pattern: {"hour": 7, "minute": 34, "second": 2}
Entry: {"hour": 4, "minute": 47, "second": 38}
